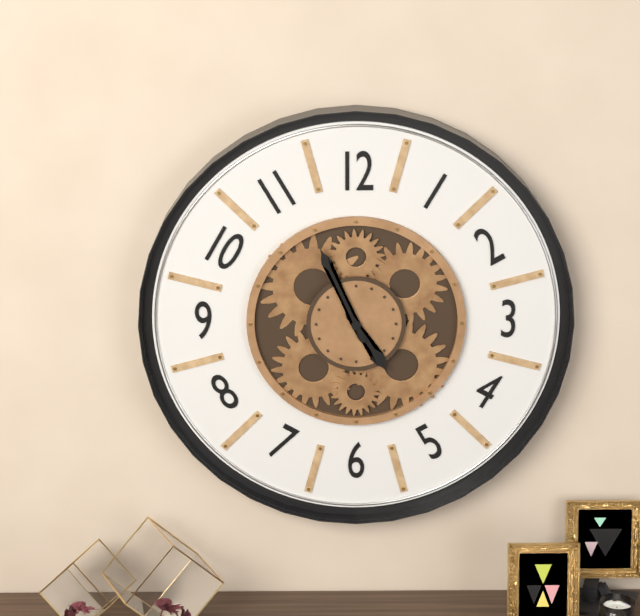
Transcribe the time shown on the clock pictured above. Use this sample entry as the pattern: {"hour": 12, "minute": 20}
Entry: {"hour": 4, "minute": 56}
